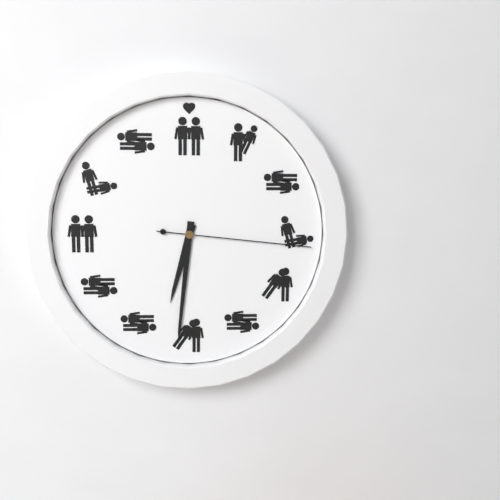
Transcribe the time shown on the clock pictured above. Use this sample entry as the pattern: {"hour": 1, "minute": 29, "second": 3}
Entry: {"hour": 6, "minute": 31, "second": 16}
